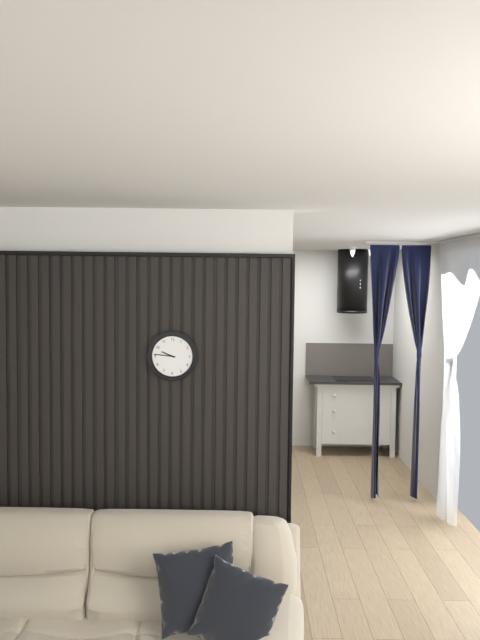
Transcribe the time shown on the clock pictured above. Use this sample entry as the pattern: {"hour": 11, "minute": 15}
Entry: {"hour": 9, "minute": 46}
